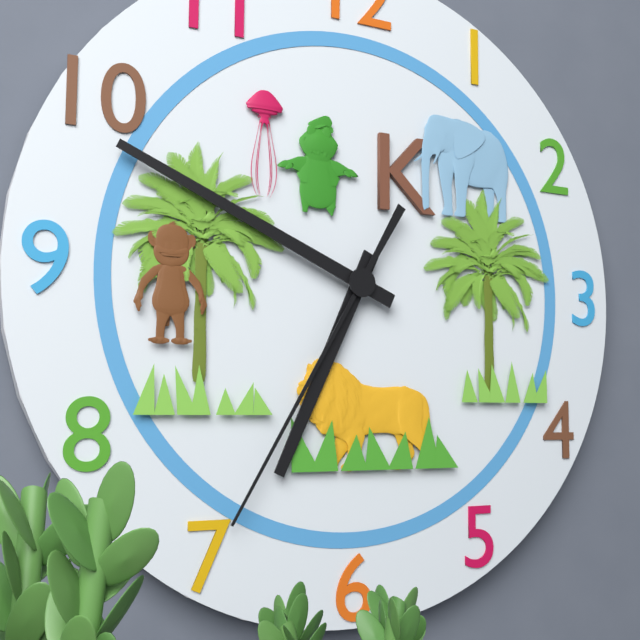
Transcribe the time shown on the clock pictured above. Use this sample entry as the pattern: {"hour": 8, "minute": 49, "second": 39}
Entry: {"hour": 6, "minute": 49, "second": 35}
